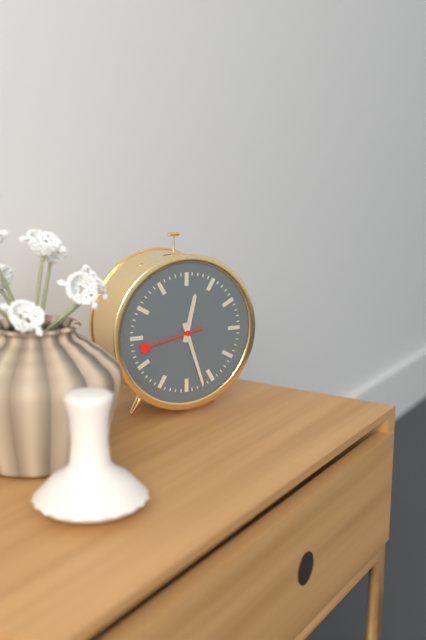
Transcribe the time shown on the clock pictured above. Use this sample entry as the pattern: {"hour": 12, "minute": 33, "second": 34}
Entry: {"hour": 12, "minute": 27, "second": 43}
